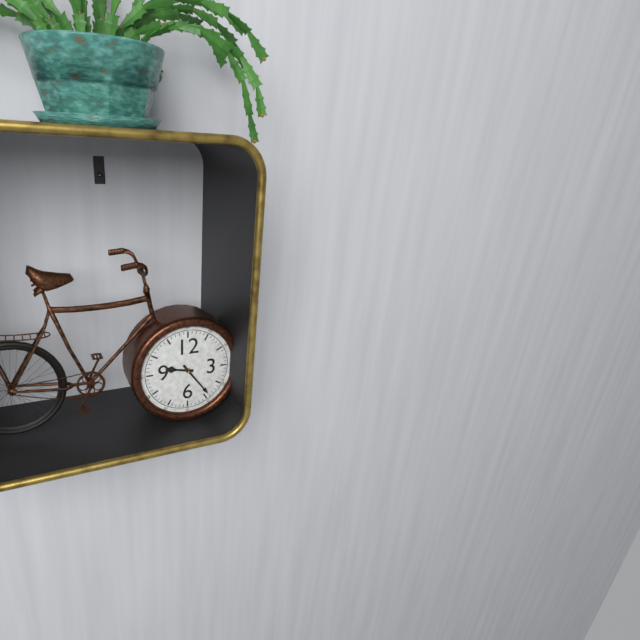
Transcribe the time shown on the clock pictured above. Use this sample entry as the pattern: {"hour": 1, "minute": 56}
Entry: {"hour": 9, "minute": 24}
